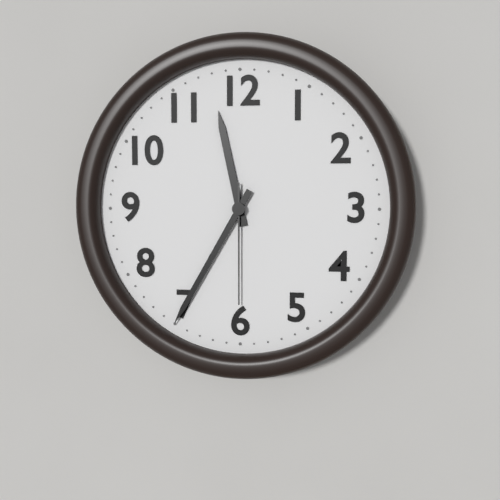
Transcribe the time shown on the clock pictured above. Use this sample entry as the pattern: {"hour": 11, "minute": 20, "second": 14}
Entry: {"hour": 11, "minute": 35, "second": 30}
